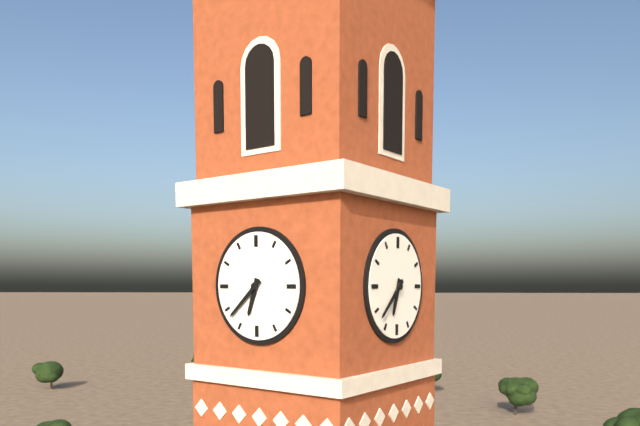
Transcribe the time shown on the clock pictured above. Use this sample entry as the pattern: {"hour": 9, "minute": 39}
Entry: {"hour": 6, "minute": 38}
